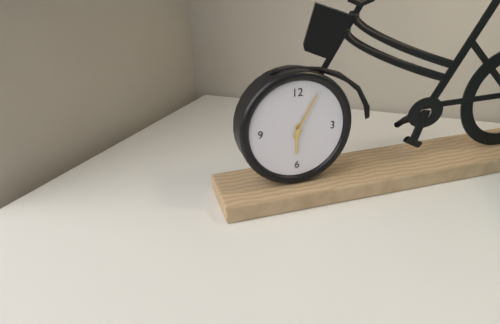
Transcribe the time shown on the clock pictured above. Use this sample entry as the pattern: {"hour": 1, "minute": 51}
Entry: {"hour": 6, "minute": 5}
